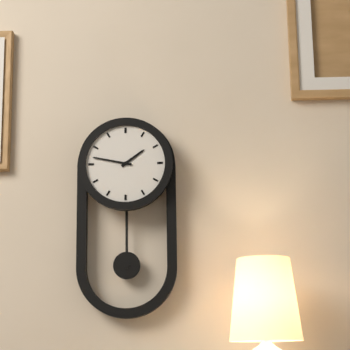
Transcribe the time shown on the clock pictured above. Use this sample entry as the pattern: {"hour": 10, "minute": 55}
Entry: {"hour": 1, "minute": 47}
